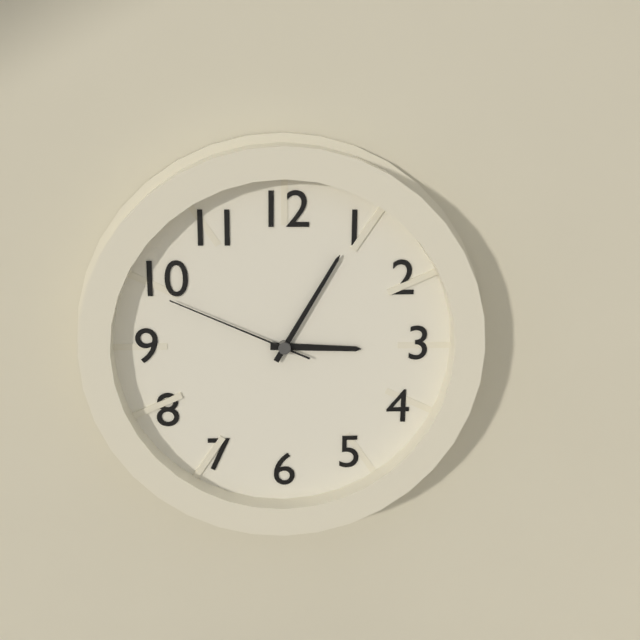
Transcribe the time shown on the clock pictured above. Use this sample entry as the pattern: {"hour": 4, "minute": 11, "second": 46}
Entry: {"hour": 3, "minute": 5, "second": 49}
